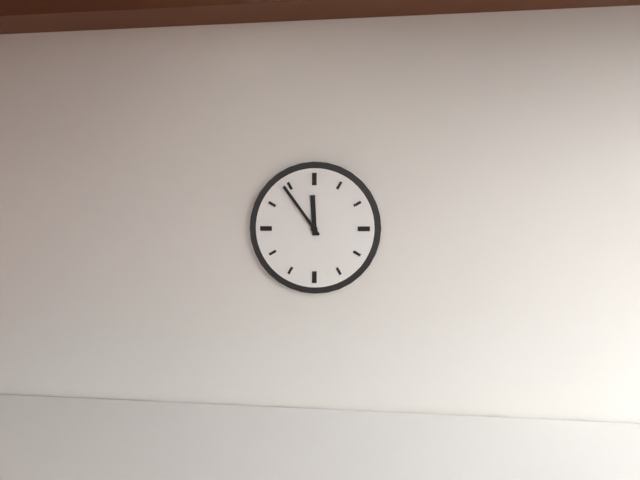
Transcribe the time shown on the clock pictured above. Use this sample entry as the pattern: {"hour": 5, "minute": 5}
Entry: {"hour": 11, "minute": 54}
